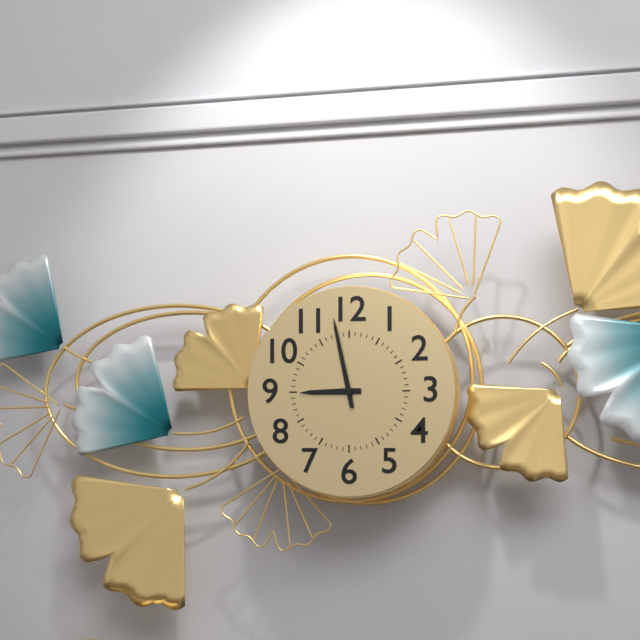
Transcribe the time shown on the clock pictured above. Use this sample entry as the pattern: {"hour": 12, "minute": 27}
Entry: {"hour": 8, "minute": 58}
